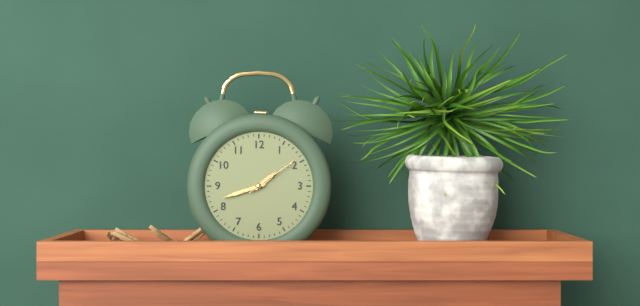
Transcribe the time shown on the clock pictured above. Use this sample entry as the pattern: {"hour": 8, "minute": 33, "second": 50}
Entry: {"hour": 1, "minute": 42, "second": 9}
